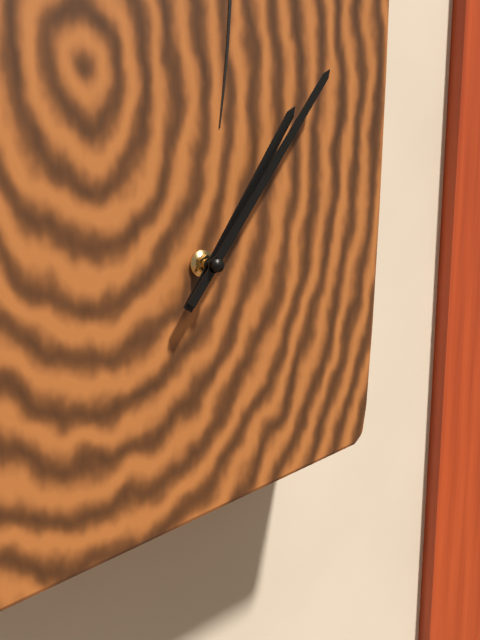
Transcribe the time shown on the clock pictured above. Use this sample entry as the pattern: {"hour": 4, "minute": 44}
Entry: {"hour": 1, "minute": 6}
